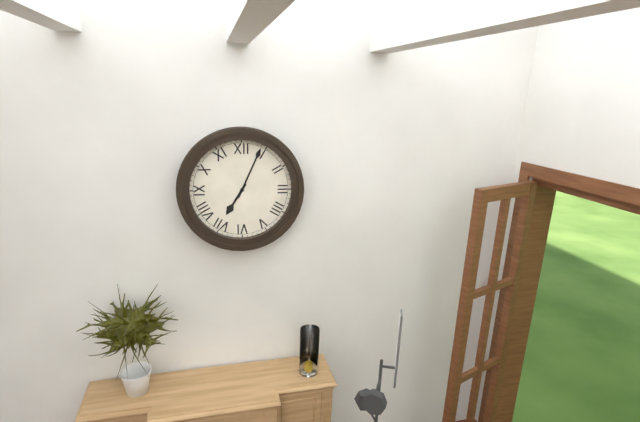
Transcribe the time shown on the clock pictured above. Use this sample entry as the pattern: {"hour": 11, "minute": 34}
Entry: {"hour": 7, "minute": 4}
